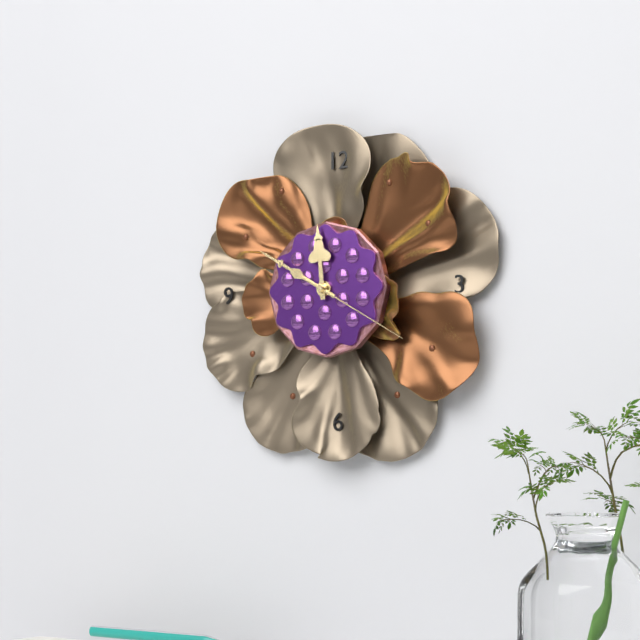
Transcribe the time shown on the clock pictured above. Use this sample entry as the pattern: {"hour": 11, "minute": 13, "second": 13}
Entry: {"hour": 11, "minute": 50, "second": 20}
